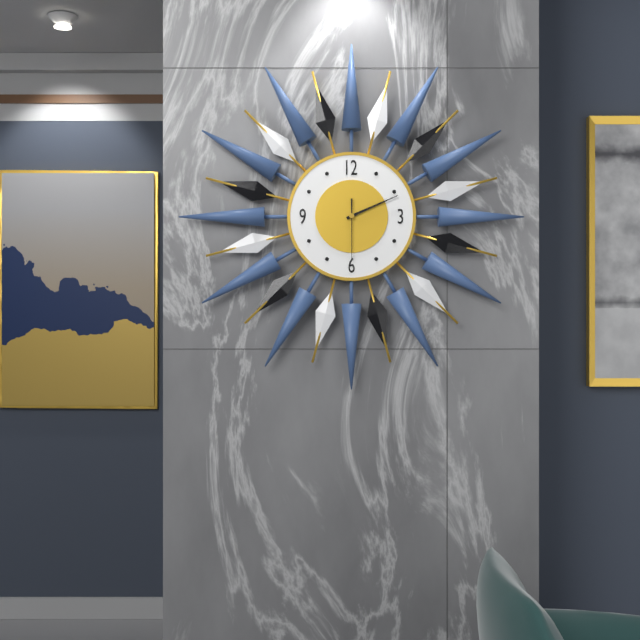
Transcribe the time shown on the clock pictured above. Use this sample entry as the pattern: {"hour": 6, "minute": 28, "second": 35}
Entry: {"hour": 2, "minute": 11, "second": 30}
